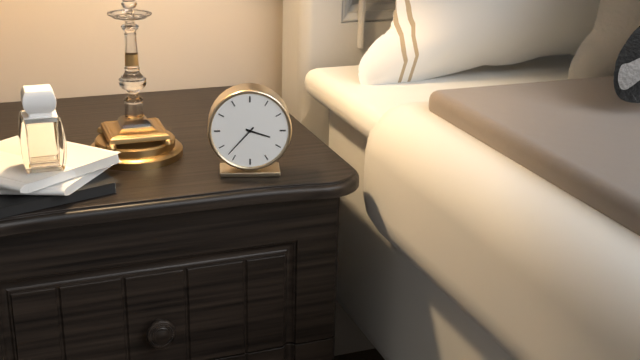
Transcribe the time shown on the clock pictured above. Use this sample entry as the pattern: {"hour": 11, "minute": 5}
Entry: {"hour": 3, "minute": 37}
